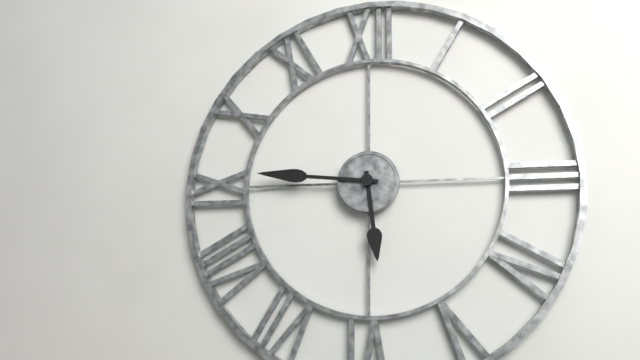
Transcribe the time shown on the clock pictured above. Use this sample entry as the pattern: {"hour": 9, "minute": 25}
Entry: {"hour": 5, "minute": 46}
